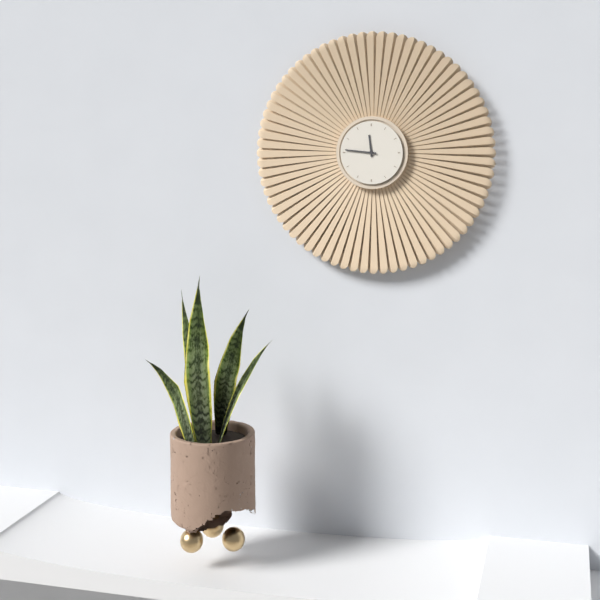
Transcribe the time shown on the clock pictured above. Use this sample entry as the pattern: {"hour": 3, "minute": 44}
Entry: {"hour": 11, "minute": 46}
